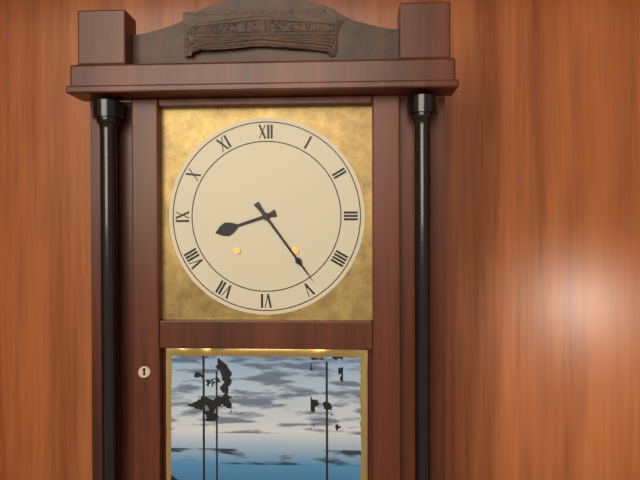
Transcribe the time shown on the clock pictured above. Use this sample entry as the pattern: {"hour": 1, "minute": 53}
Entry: {"hour": 8, "minute": 24}
